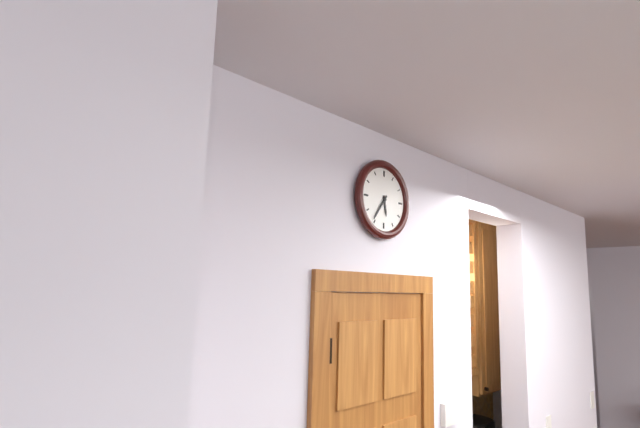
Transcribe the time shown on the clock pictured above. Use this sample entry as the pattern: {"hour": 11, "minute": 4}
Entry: {"hour": 5, "minute": 36}
